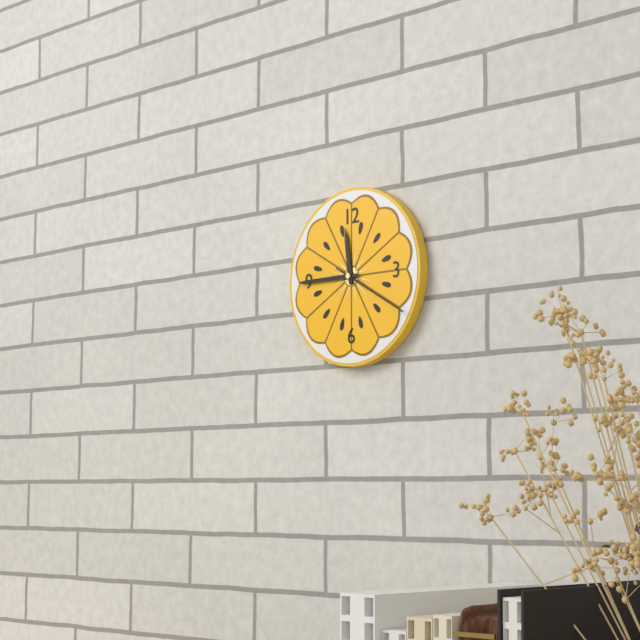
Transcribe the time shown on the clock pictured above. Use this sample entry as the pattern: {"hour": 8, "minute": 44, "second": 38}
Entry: {"hour": 11, "minute": 45, "second": 20}
